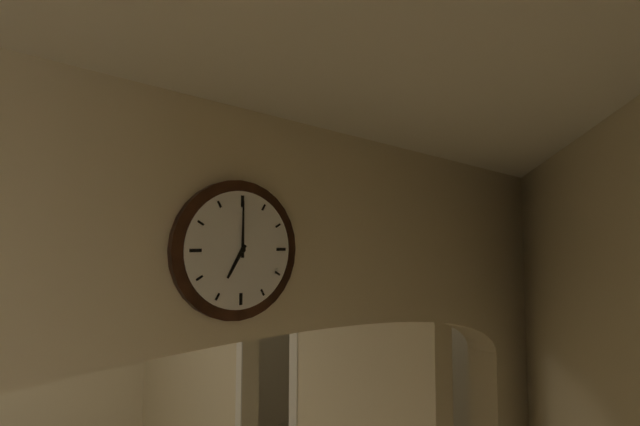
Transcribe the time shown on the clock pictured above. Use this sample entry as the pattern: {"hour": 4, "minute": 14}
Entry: {"hour": 7, "minute": 0}
